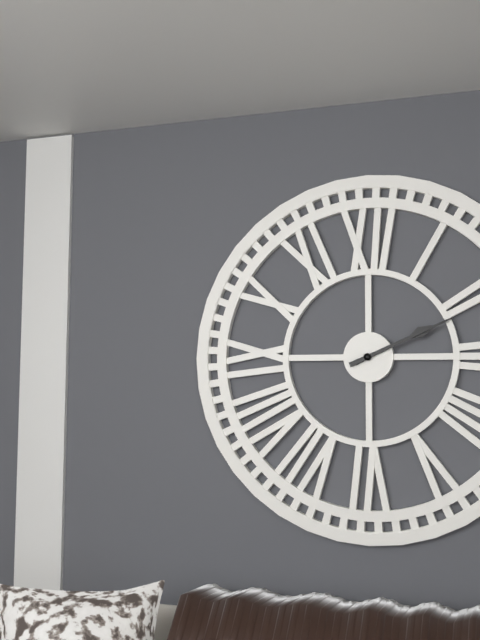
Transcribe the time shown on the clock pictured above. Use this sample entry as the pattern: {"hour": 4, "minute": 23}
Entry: {"hour": 2, "minute": 11}
